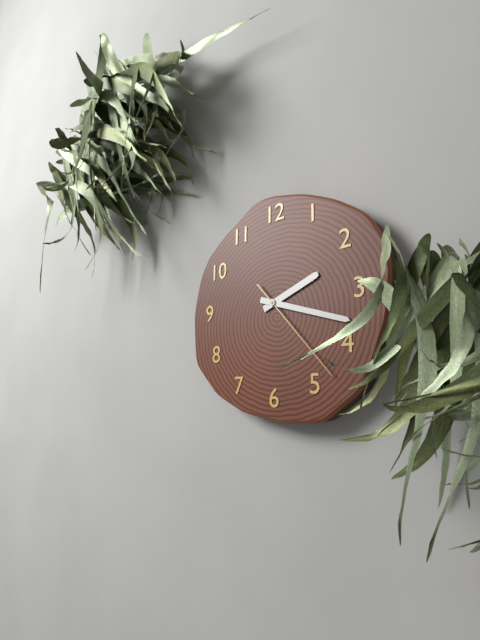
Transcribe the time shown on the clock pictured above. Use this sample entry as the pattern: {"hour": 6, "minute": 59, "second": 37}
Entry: {"hour": 2, "minute": 18, "second": 23}
